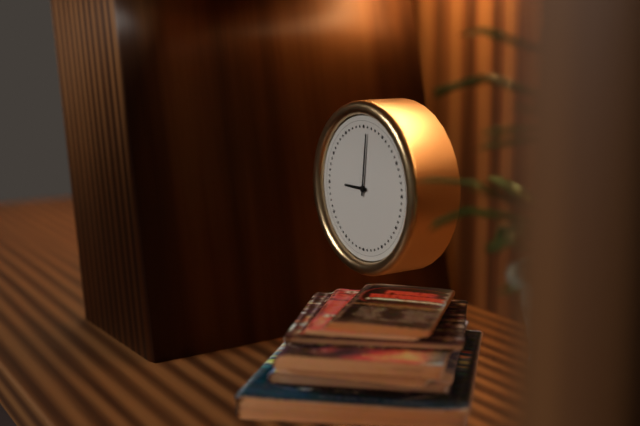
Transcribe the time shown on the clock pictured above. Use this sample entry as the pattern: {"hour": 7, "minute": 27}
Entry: {"hour": 9, "minute": 1}
